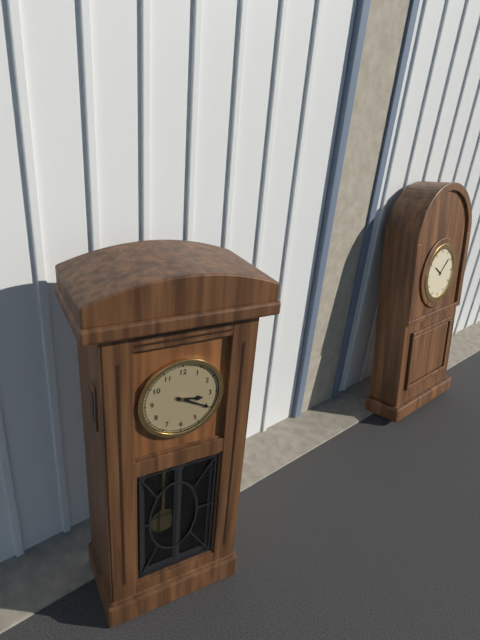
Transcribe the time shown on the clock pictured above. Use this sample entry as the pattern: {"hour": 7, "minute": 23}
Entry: {"hour": 3, "minute": 20}
